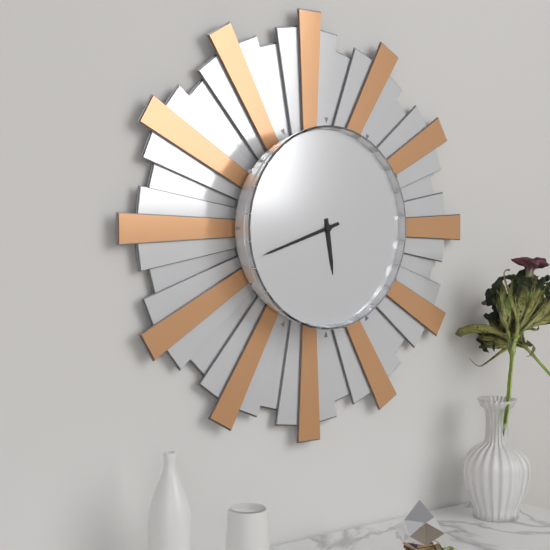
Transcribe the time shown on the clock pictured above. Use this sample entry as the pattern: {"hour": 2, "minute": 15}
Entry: {"hour": 5, "minute": 42}
